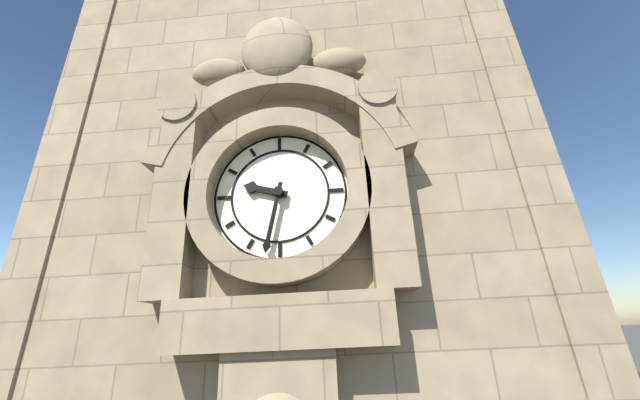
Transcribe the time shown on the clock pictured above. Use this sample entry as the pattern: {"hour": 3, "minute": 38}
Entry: {"hour": 9, "minute": 32}
